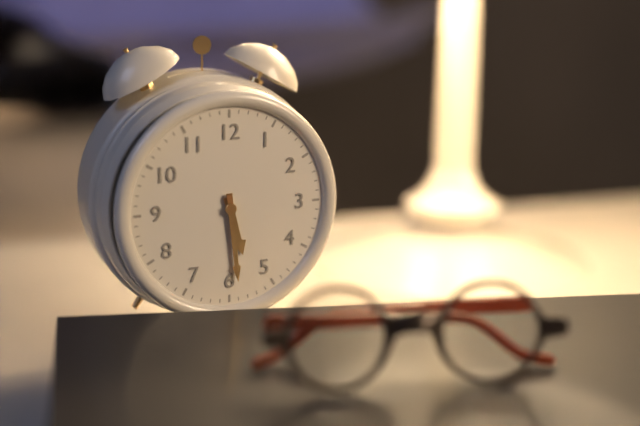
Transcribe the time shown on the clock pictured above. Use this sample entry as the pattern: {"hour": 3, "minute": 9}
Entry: {"hour": 5, "minute": 29}
